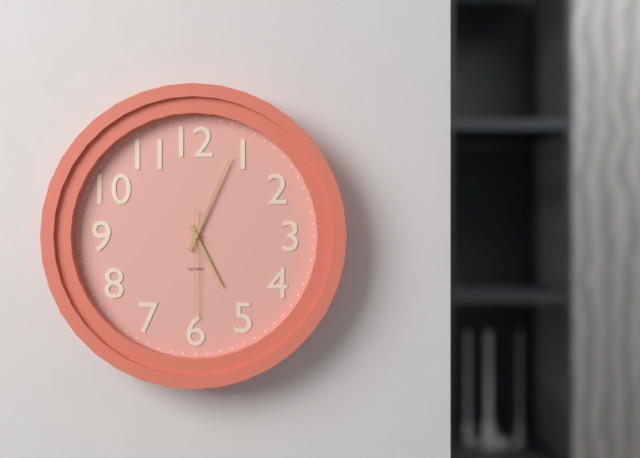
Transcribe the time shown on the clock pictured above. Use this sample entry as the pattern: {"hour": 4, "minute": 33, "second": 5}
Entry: {"hour": 5, "minute": 4, "second": 30}
